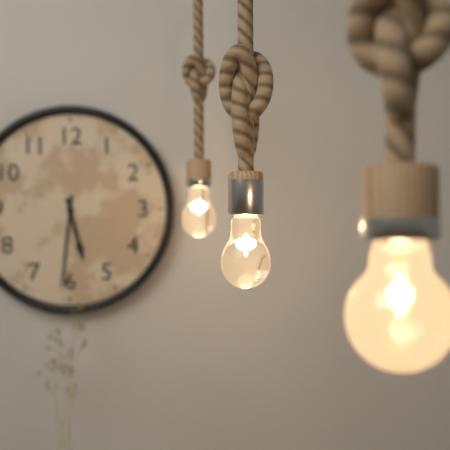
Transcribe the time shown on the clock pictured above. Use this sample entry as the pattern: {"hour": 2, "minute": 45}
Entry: {"hour": 5, "minute": 31}
